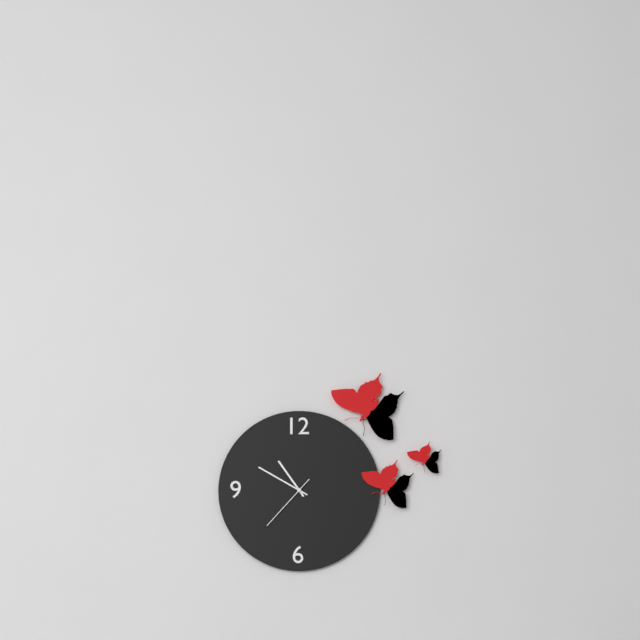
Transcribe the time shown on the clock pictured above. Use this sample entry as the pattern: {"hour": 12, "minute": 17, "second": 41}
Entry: {"hour": 10, "minute": 50, "second": 37}
